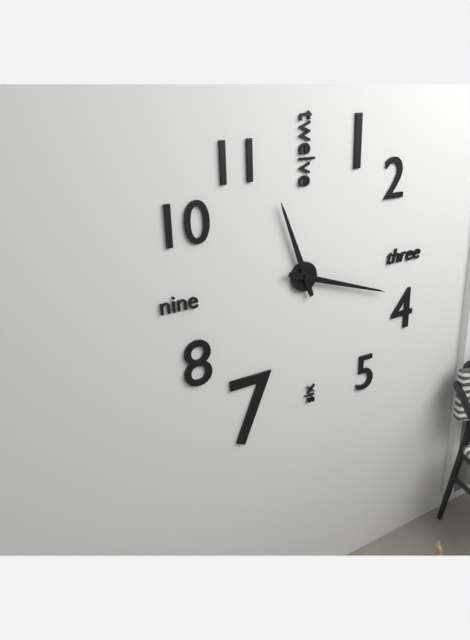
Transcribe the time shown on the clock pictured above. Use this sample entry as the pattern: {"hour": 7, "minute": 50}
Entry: {"hour": 11, "minute": 18}
